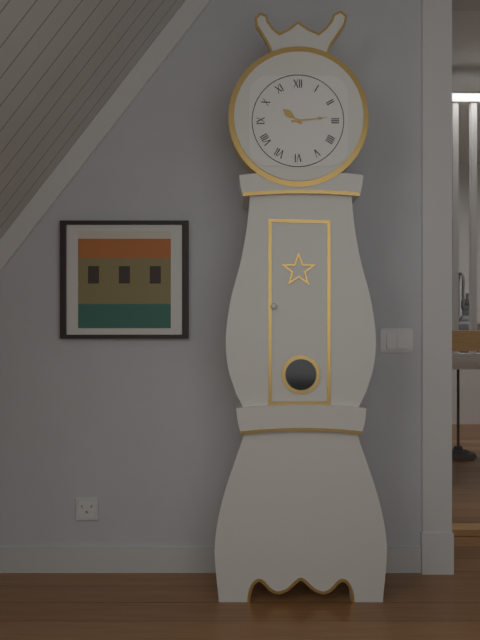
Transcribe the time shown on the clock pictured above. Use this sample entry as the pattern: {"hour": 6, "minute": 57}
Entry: {"hour": 10, "minute": 14}
